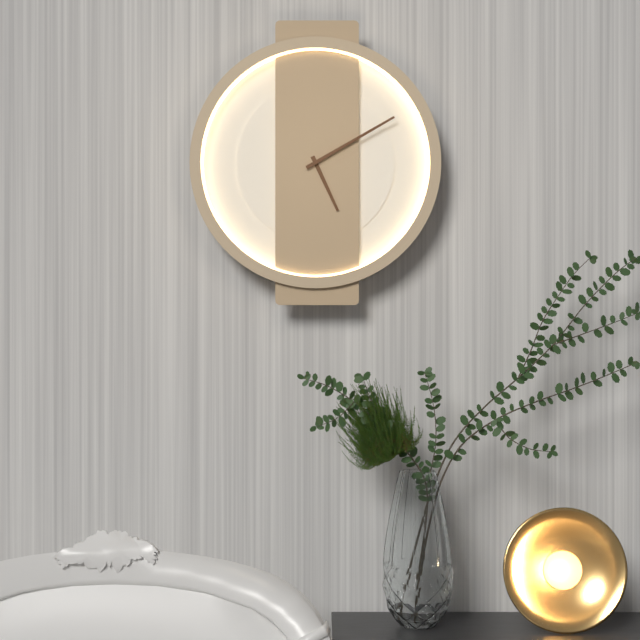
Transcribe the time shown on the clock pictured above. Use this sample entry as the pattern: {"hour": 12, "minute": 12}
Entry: {"hour": 5, "minute": 10}
